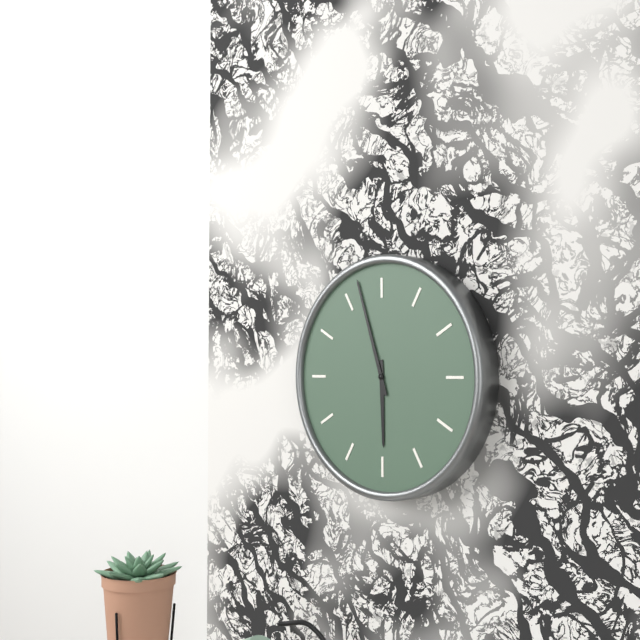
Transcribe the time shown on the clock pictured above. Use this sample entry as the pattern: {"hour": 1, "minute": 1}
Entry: {"hour": 5, "minute": 57}
